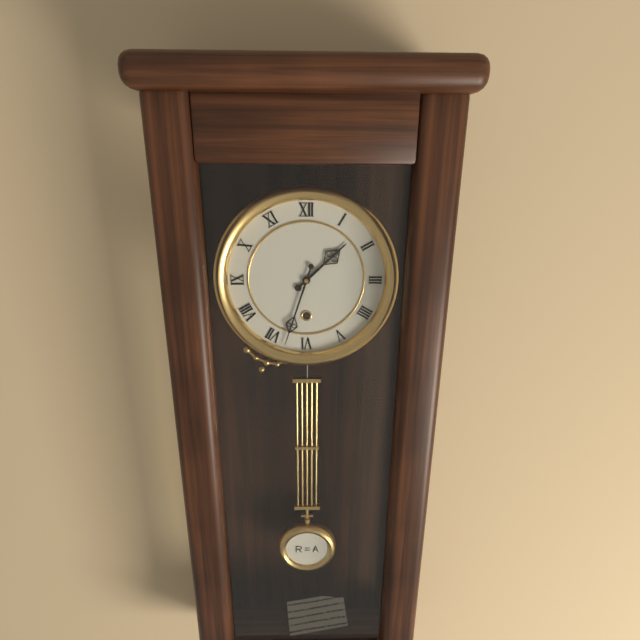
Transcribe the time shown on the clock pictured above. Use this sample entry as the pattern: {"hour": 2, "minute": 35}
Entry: {"hour": 1, "minute": 33}
